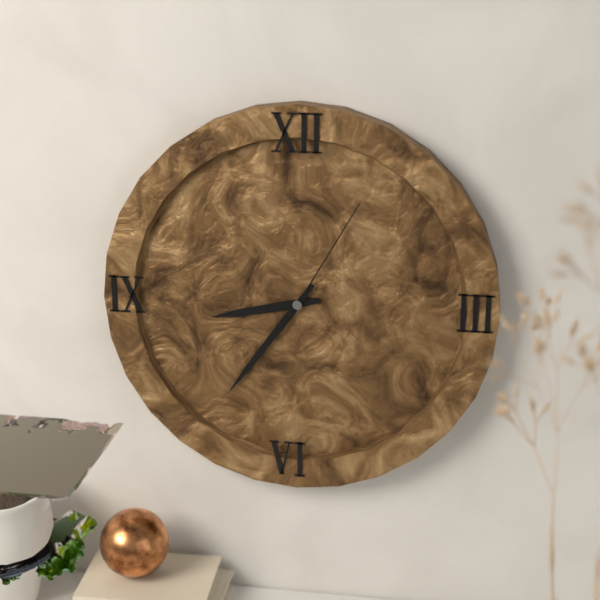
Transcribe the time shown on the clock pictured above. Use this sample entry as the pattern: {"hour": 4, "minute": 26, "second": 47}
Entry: {"hour": 8, "minute": 36, "second": 5}
